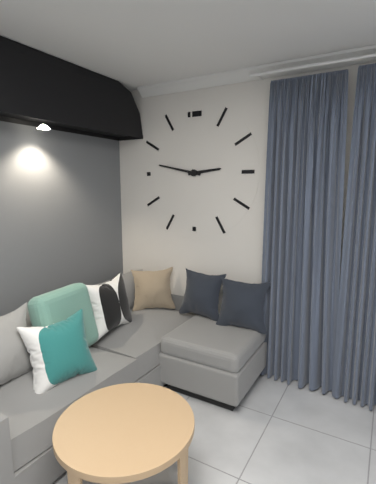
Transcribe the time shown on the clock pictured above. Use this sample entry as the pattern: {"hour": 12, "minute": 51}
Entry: {"hour": 2, "minute": 47}
